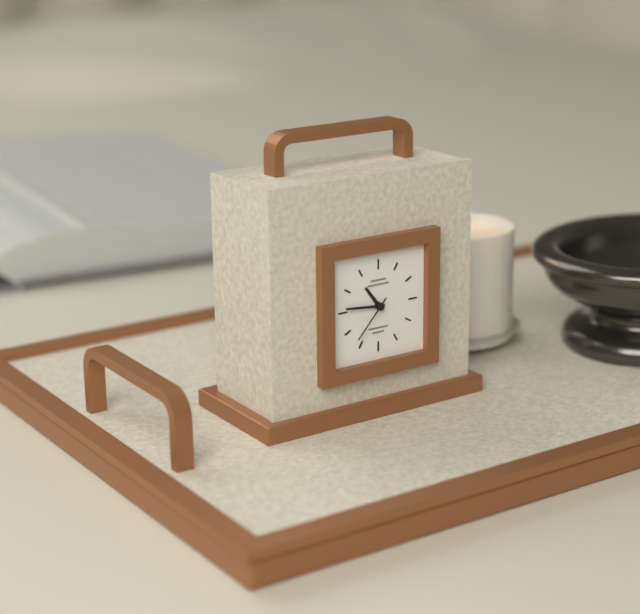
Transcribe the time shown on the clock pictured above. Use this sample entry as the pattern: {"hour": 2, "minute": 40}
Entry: {"hour": 10, "minute": 46}
